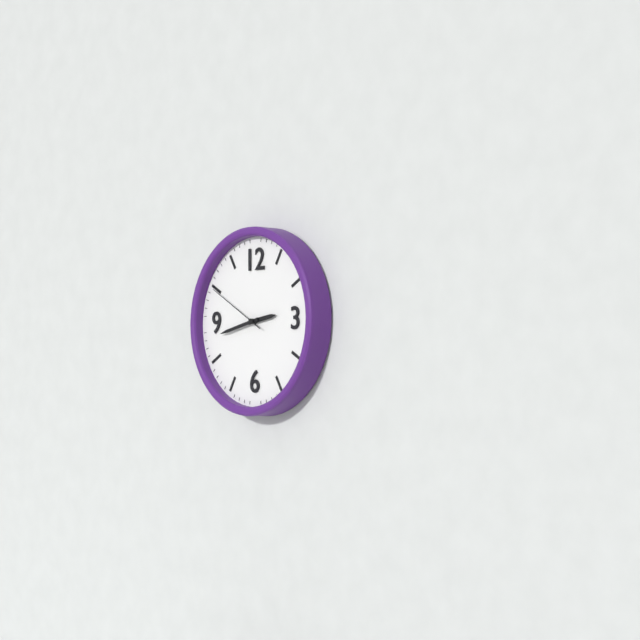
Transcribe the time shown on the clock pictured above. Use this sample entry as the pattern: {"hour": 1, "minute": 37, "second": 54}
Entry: {"hour": 2, "minute": 43, "second": 50}
